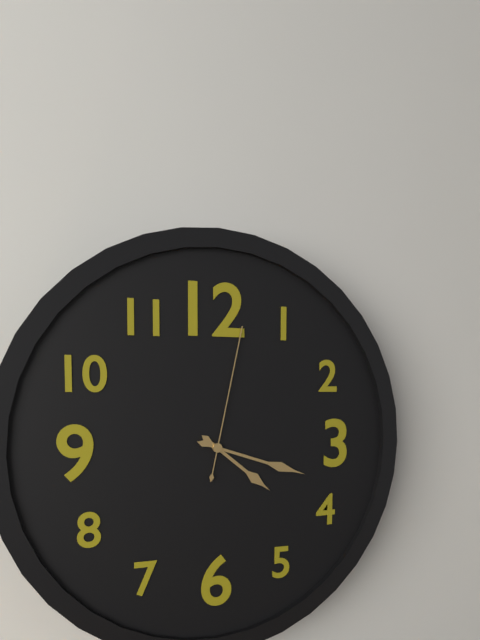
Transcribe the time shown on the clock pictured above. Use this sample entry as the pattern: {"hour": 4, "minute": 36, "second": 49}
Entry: {"hour": 4, "minute": 18, "second": 2}
